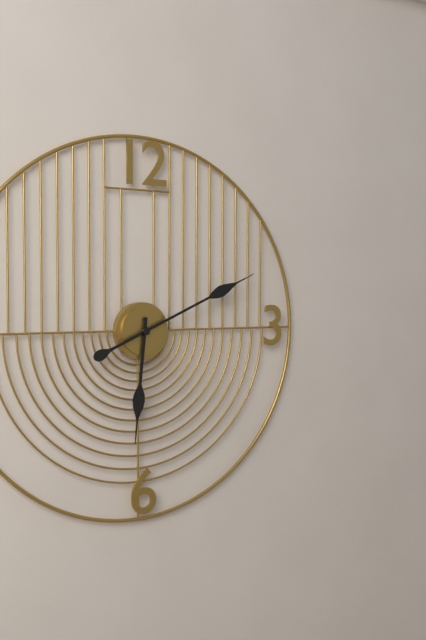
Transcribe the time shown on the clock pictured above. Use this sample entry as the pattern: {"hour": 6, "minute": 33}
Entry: {"hour": 6, "minute": 11}
